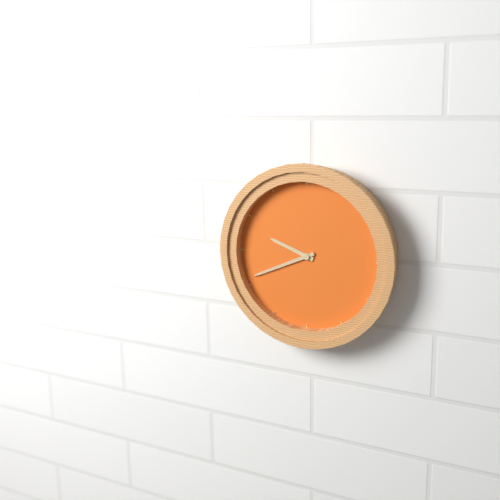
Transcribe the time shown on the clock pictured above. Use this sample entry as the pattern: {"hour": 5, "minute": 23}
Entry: {"hour": 9, "minute": 41}
